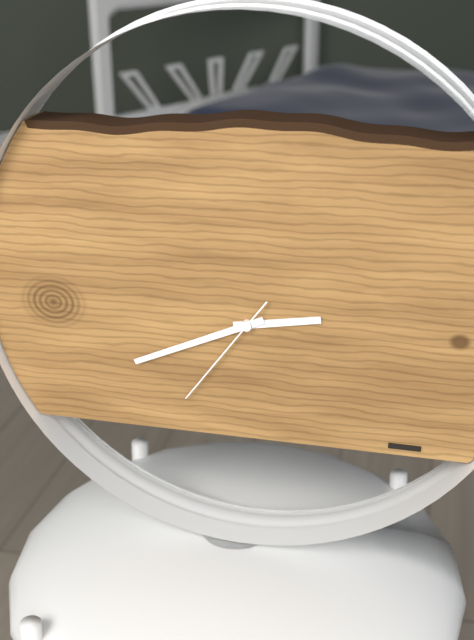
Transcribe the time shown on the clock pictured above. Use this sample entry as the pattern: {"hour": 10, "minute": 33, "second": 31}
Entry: {"hour": 2, "minute": 41, "second": 36}
